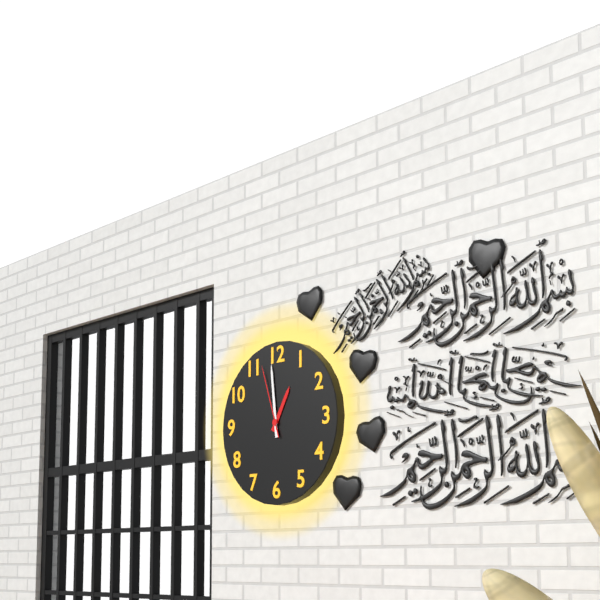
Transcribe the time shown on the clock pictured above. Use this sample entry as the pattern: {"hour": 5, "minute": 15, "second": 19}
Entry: {"hour": 12, "minute": 59, "second": 57}
